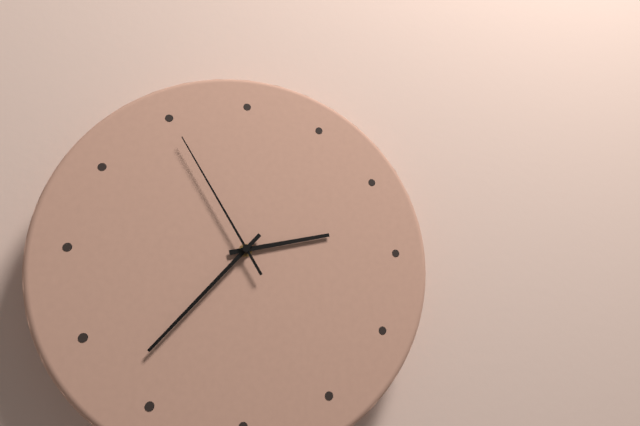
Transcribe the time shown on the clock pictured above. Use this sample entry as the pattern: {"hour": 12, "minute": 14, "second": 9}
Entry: {"hour": 2, "minute": 37, "second": 55}
